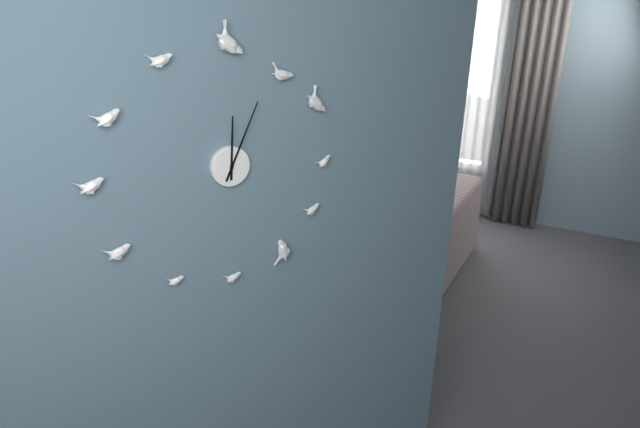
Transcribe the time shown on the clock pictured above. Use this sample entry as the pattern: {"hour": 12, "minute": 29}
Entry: {"hour": 12, "minute": 4}
